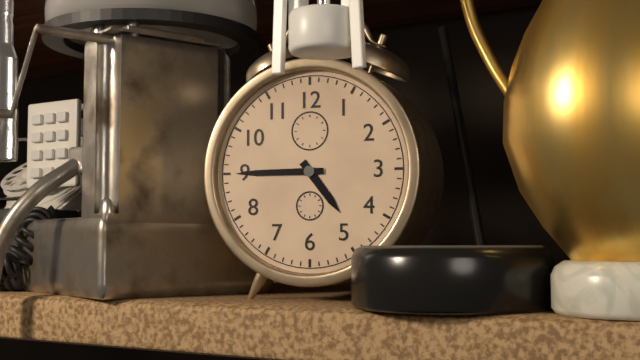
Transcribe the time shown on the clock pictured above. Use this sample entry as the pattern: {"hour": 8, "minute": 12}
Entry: {"hour": 4, "minute": 45}
